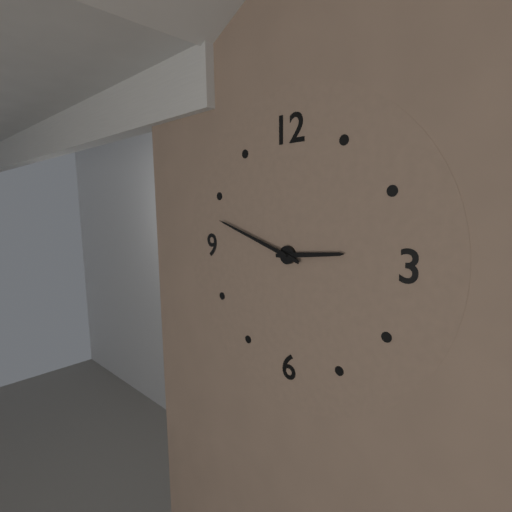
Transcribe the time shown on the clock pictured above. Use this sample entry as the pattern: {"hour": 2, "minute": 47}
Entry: {"hour": 2, "minute": 48}
